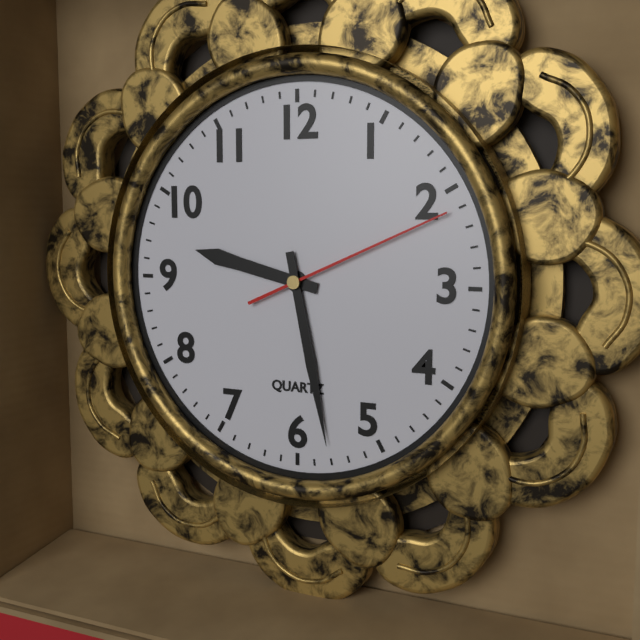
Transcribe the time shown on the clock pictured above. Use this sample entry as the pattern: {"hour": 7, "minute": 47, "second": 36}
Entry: {"hour": 9, "minute": 28, "second": 11}
